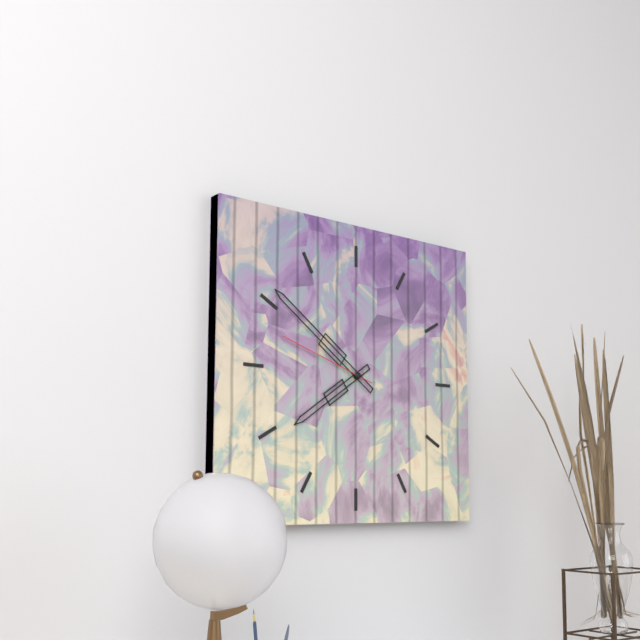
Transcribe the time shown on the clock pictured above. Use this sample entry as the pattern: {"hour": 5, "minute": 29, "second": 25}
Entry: {"hour": 7, "minute": 51, "second": 48}
